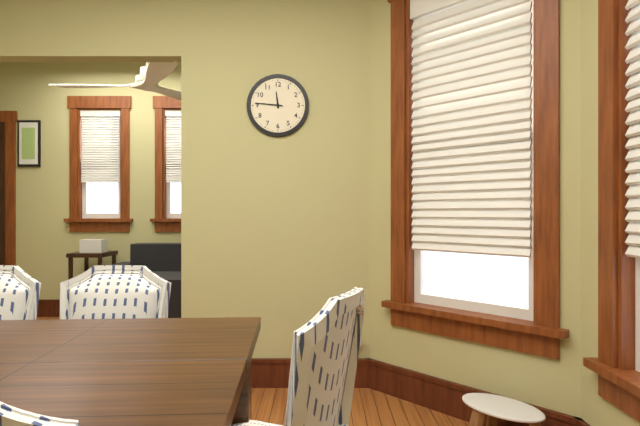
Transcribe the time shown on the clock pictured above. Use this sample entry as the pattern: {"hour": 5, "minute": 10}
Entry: {"hour": 11, "minute": 46}
